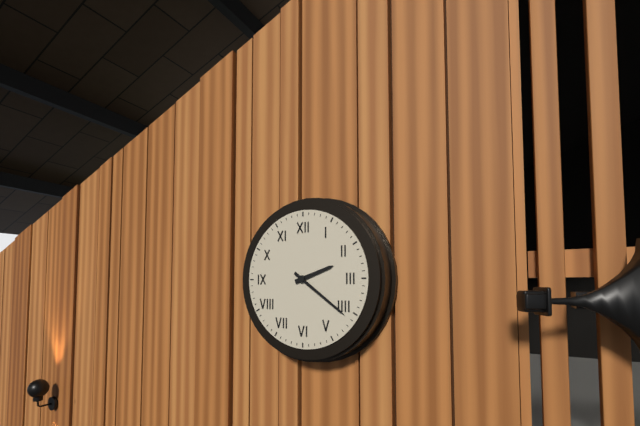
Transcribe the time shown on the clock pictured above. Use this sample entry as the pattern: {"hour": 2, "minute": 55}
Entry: {"hour": 2, "minute": 21}
